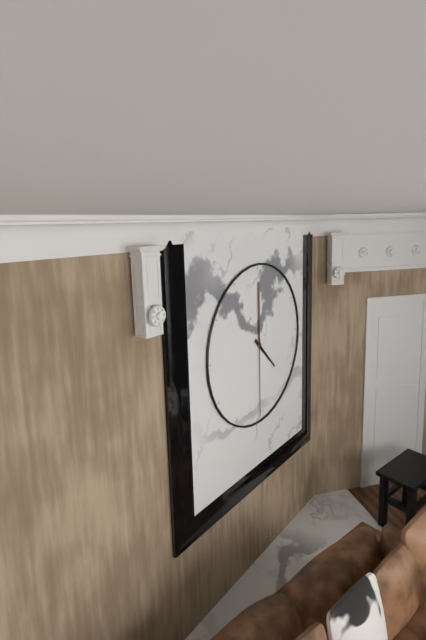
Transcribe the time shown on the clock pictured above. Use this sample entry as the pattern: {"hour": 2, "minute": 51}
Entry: {"hour": 4, "minute": 30}
